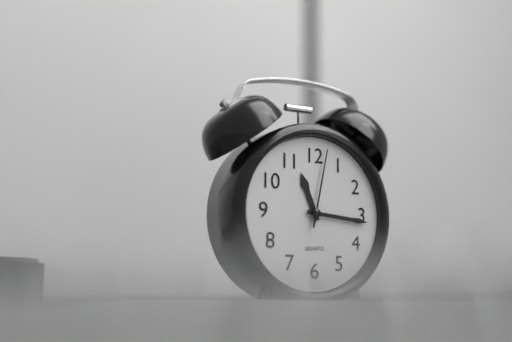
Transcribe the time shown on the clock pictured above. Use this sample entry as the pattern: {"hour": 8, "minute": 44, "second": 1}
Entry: {"hour": 11, "minute": 16, "second": 2}
